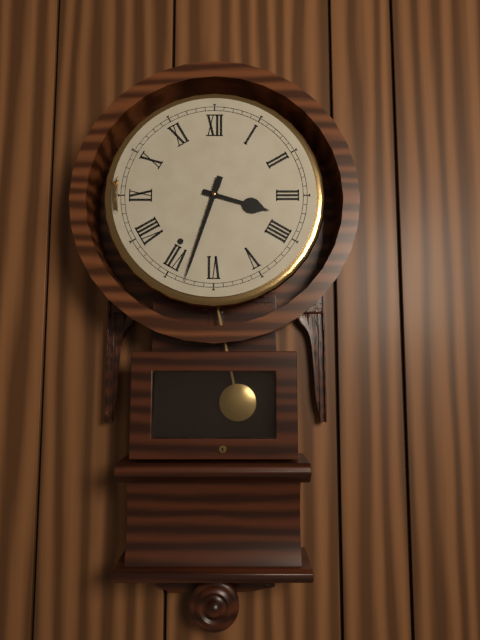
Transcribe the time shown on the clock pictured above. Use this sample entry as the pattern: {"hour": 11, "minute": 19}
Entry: {"hour": 3, "minute": 33}
